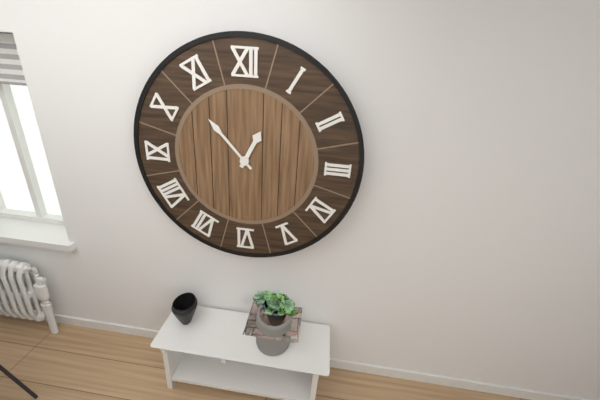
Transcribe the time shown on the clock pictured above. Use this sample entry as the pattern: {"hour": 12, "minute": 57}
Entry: {"hour": 12, "minute": 53}
